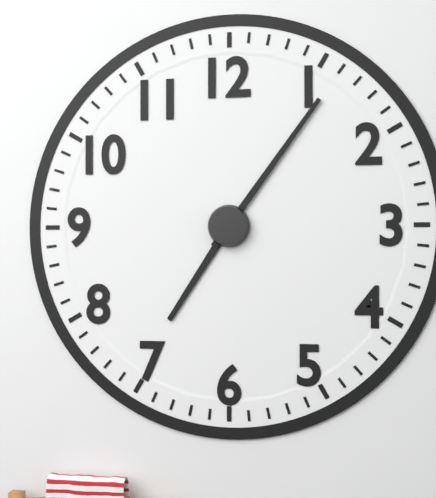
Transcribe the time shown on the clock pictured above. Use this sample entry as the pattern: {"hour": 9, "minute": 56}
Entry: {"hour": 7, "minute": 6}
